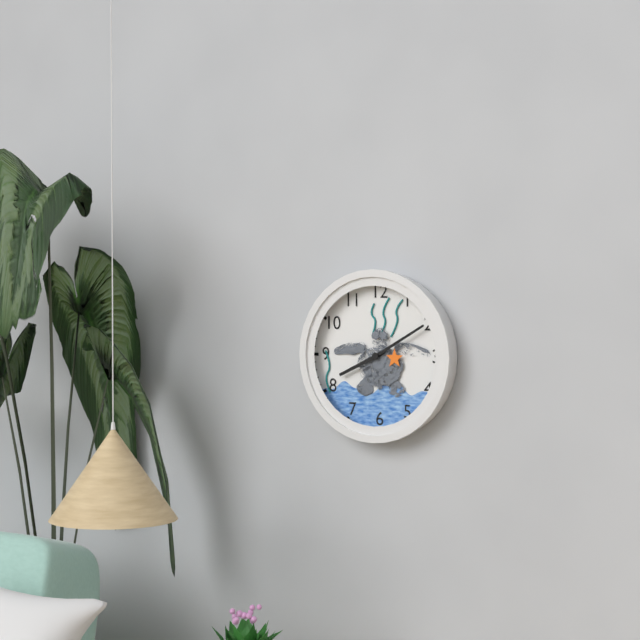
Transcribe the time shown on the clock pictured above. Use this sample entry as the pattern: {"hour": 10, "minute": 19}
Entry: {"hour": 8, "minute": 10}
